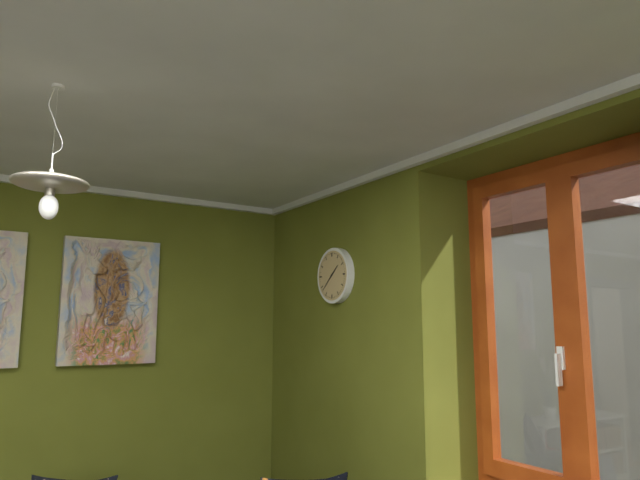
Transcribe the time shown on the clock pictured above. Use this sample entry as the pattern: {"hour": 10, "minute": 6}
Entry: {"hour": 1, "minute": 38}
